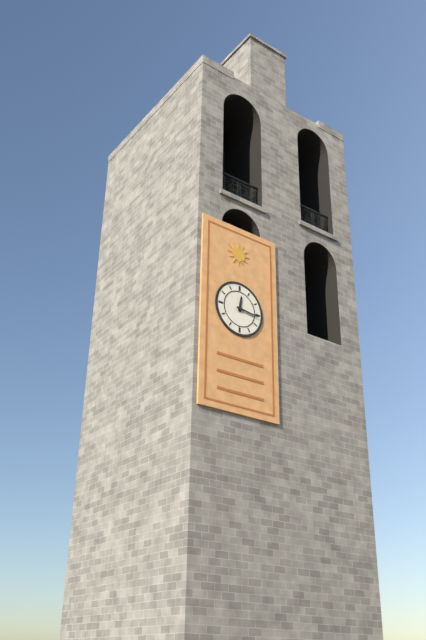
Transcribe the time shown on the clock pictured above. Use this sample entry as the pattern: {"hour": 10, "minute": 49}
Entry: {"hour": 12, "minute": 16}
